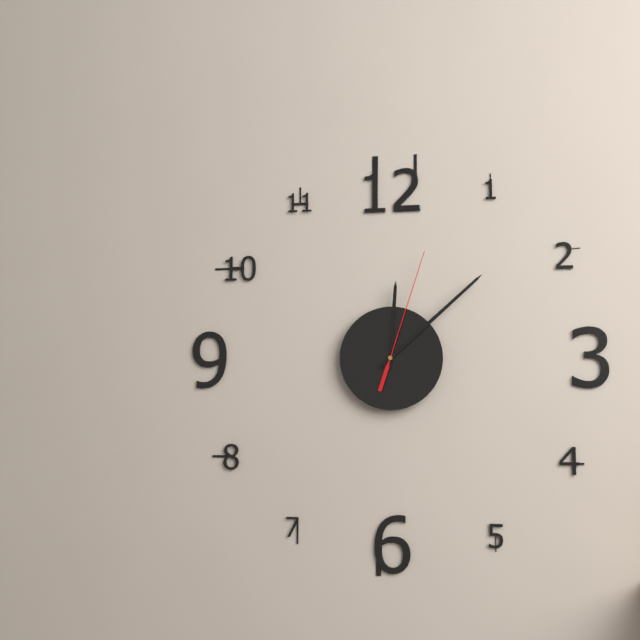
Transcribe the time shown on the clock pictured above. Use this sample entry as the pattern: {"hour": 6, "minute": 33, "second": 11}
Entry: {"hour": 12, "minute": 8, "second": 3}
